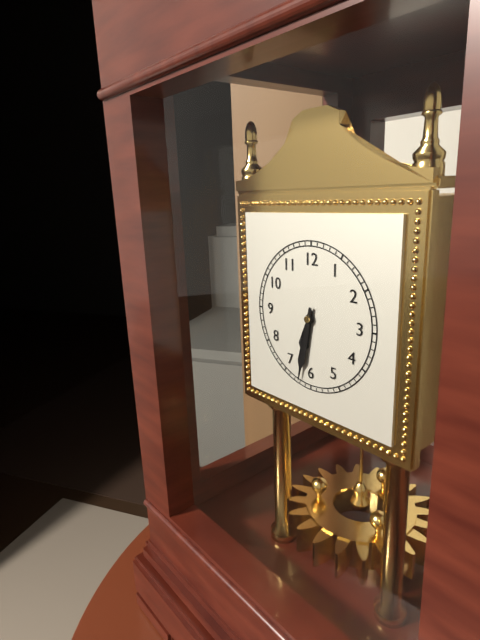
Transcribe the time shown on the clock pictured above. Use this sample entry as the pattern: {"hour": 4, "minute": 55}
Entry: {"hour": 6, "minute": 32}
